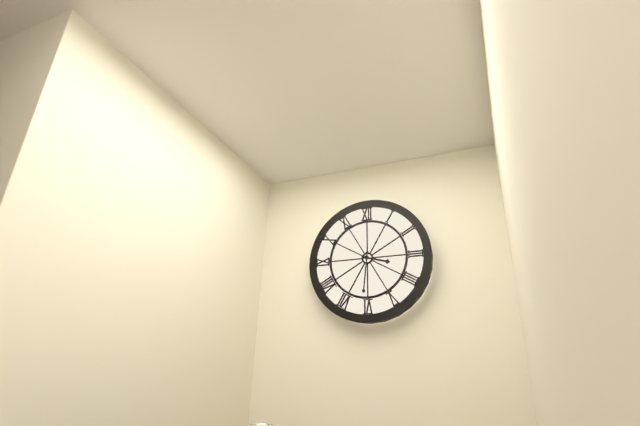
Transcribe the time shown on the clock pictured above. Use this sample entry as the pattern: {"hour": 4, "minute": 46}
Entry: {"hour": 3, "minute": 31}
